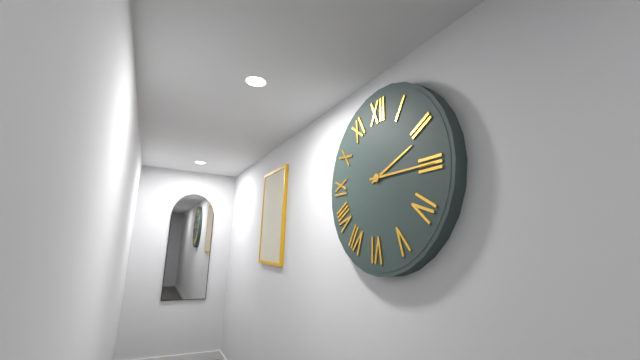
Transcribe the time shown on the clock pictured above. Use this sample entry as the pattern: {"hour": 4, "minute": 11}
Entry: {"hour": 2, "minute": 15}
